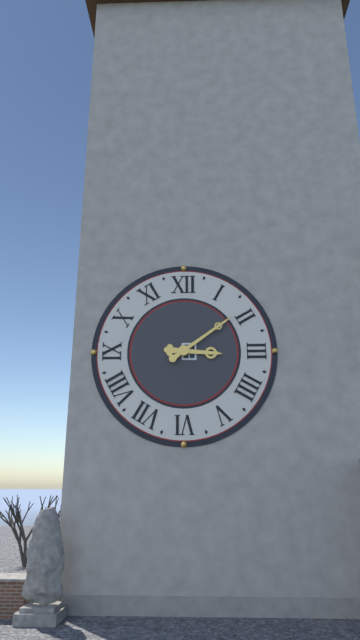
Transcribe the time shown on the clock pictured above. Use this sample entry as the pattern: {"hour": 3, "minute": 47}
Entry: {"hour": 3, "minute": 9}
